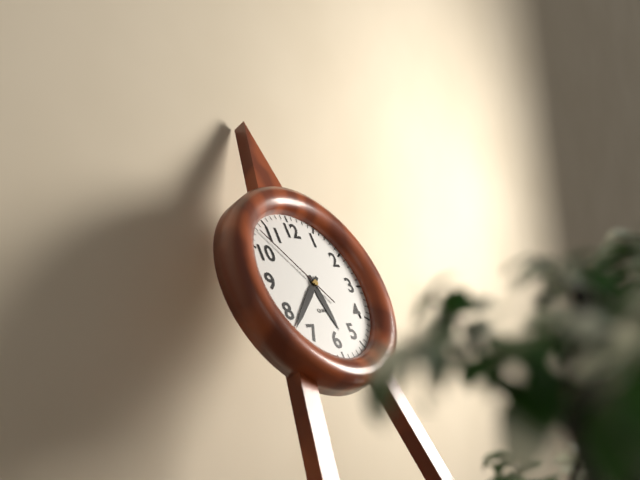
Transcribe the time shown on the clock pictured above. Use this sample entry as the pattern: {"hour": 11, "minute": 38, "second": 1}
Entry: {"hour": 5, "minute": 38, "second": 53}
